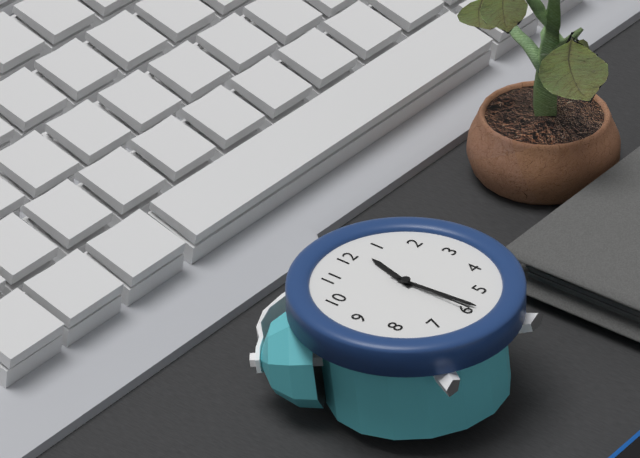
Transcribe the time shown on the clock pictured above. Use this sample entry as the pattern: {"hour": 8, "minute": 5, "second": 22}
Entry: {"hour": 12, "minute": 29, "second": 30}
